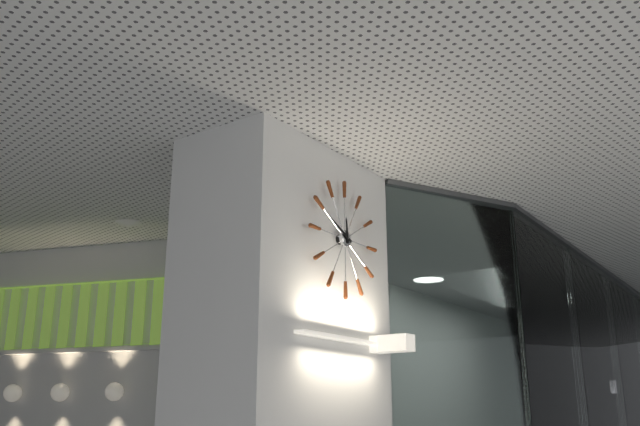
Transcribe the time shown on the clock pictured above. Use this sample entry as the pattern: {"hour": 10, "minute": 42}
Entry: {"hour": 11, "minute": 49}
